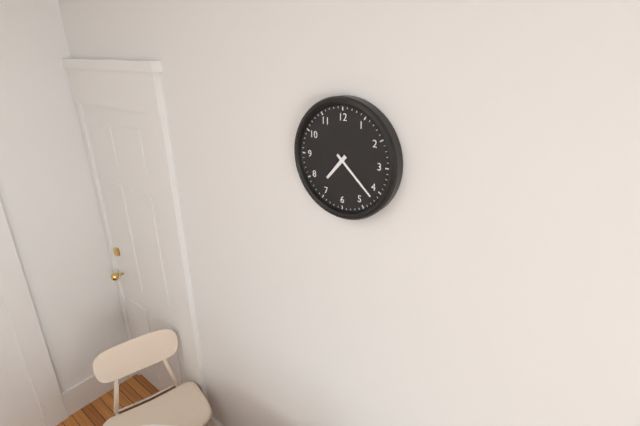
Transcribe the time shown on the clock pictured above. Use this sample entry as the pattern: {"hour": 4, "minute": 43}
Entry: {"hour": 7, "minute": 22}
